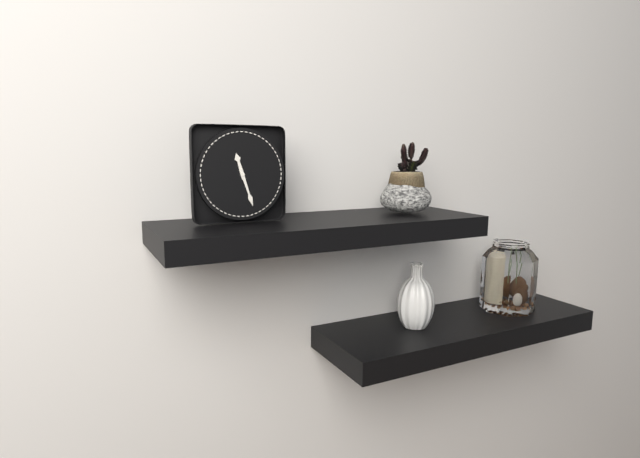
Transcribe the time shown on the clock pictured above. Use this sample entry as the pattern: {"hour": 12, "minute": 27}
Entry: {"hour": 11, "minute": 27}
